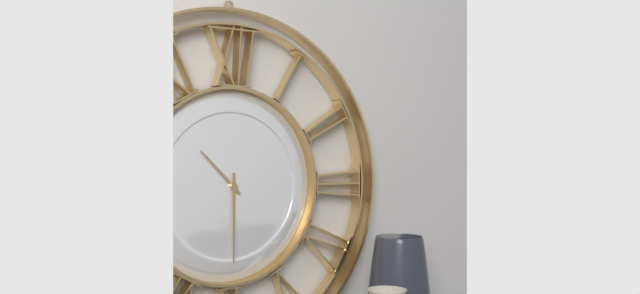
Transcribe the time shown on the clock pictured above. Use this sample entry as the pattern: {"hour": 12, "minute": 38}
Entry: {"hour": 10, "minute": 30}
